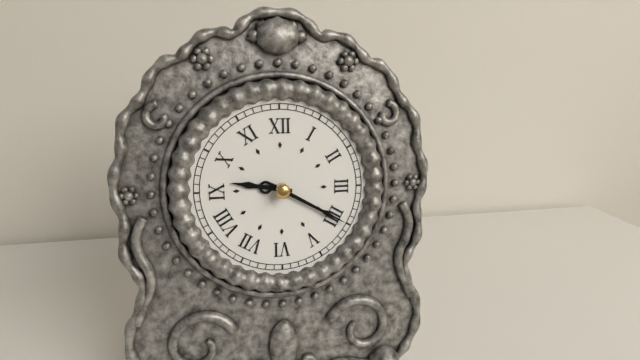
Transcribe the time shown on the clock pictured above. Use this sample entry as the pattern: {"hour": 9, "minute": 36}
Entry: {"hour": 9, "minute": 20}
